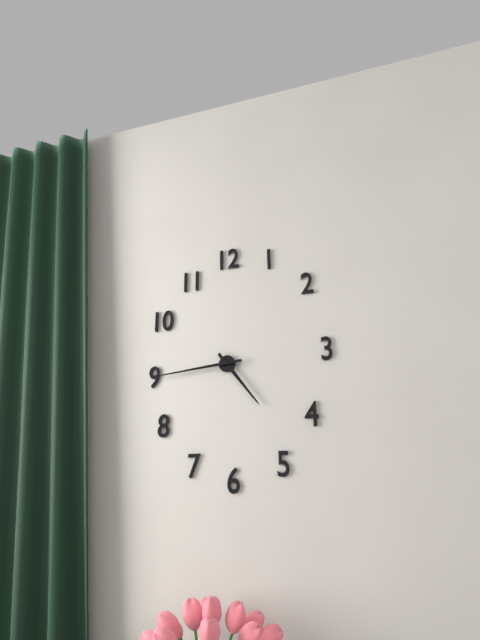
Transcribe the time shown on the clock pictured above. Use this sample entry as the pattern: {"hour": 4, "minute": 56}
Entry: {"hour": 4, "minute": 44}
